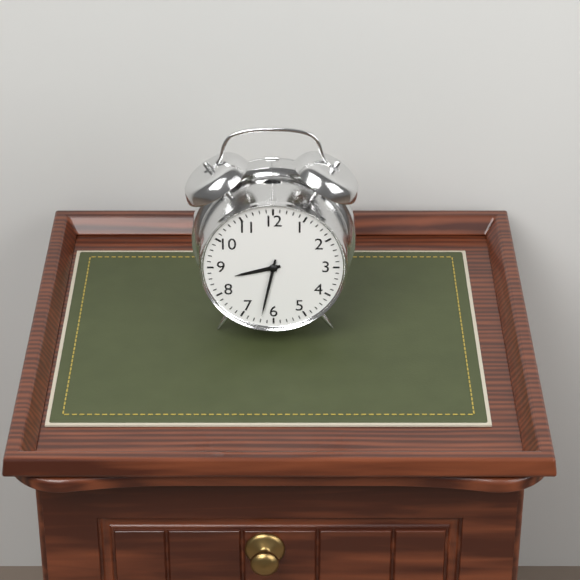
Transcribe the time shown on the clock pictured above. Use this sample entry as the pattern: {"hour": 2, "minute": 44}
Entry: {"hour": 8, "minute": 32}
